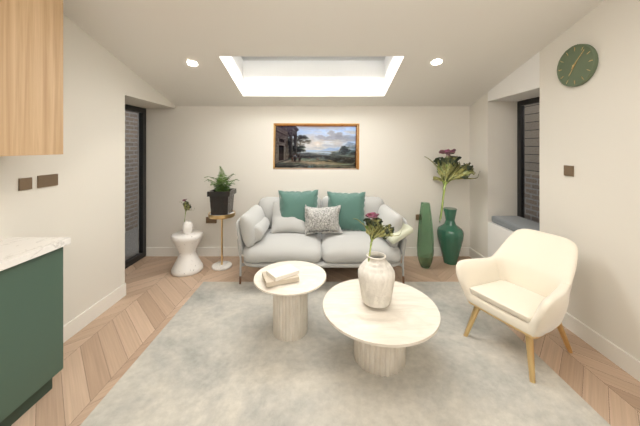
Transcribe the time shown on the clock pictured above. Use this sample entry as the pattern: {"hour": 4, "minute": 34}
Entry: {"hour": 7, "minute": 7}
